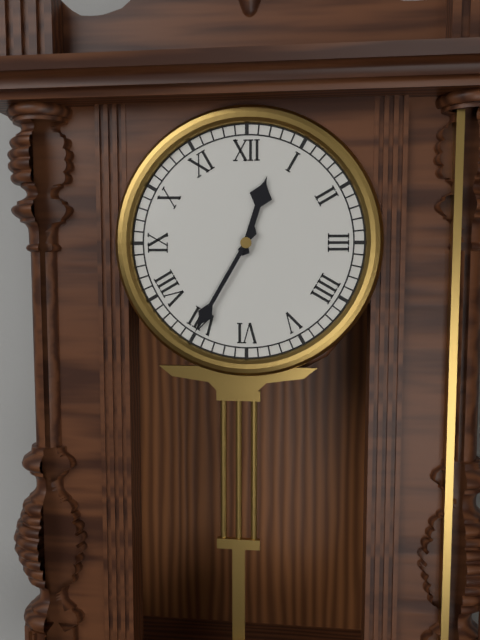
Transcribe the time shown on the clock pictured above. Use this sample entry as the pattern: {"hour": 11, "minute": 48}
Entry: {"hour": 12, "minute": 35}
